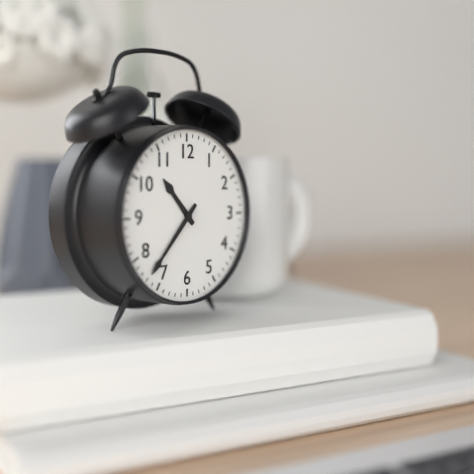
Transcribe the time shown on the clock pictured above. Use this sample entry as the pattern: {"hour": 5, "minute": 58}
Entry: {"hour": 10, "minute": 37}
